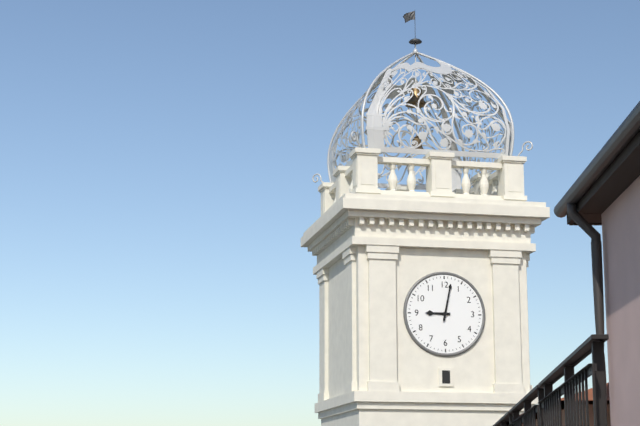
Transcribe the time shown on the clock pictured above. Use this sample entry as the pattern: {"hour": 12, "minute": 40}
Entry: {"hour": 9, "minute": 2}
